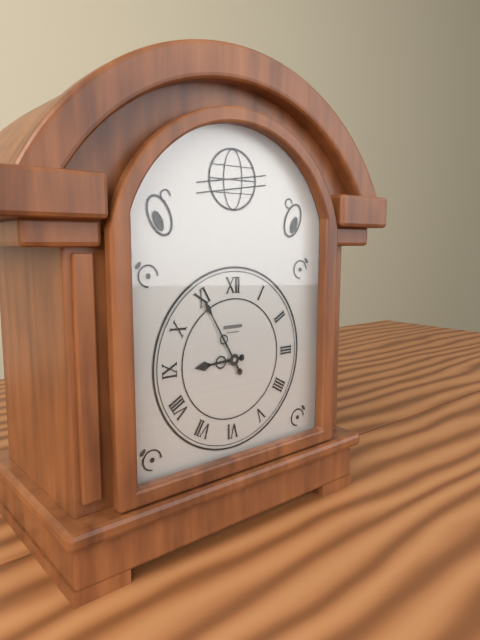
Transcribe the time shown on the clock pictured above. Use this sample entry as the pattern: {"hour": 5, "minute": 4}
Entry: {"hour": 8, "minute": 55}
